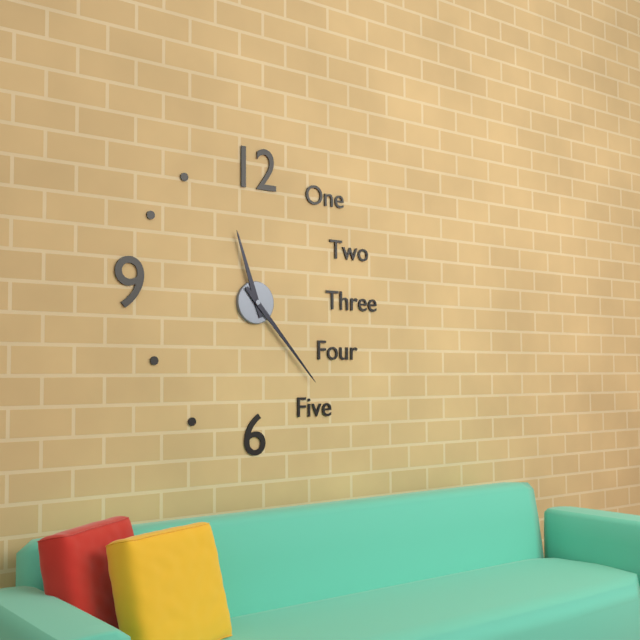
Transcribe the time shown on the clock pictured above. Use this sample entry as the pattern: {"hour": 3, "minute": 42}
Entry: {"hour": 11, "minute": 23}
